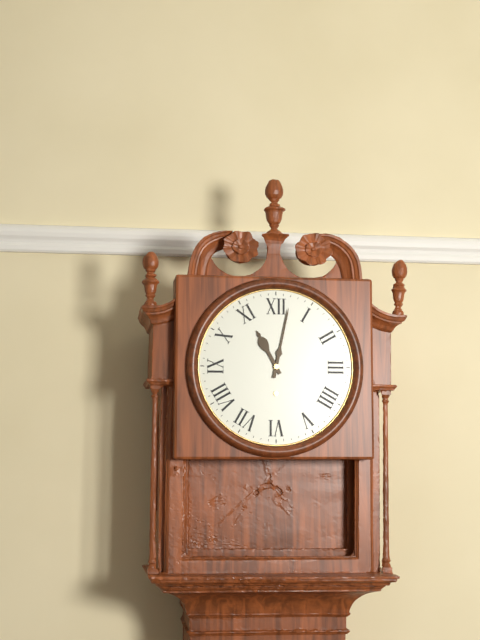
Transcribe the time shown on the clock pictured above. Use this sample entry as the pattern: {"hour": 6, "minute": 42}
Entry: {"hour": 11, "minute": 2}
